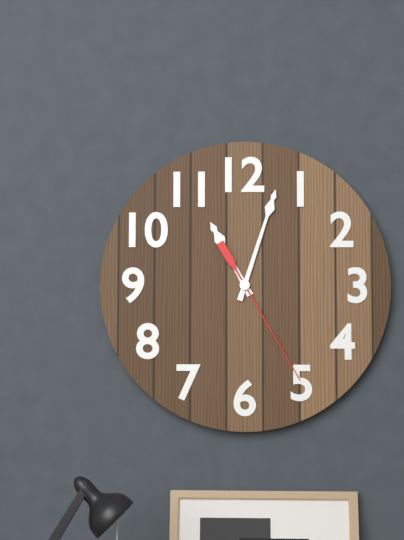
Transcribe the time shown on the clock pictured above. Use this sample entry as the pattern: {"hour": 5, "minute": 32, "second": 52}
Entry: {"hour": 11, "minute": 3, "second": 25}
